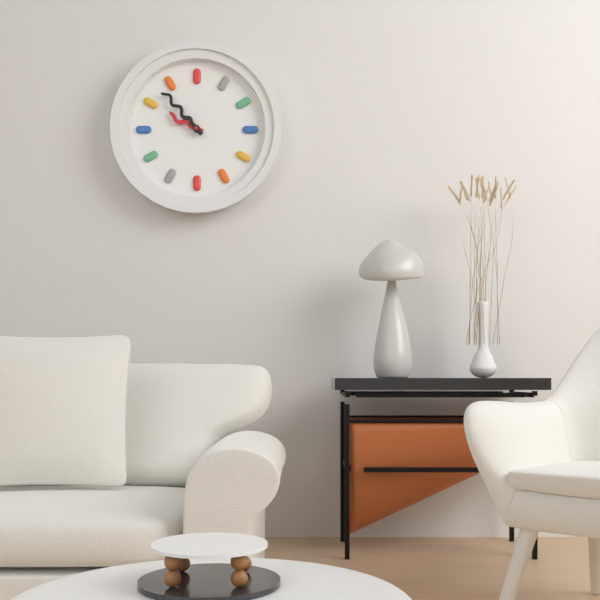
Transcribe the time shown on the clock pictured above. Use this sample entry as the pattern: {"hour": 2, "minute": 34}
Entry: {"hour": 9, "minute": 53}
